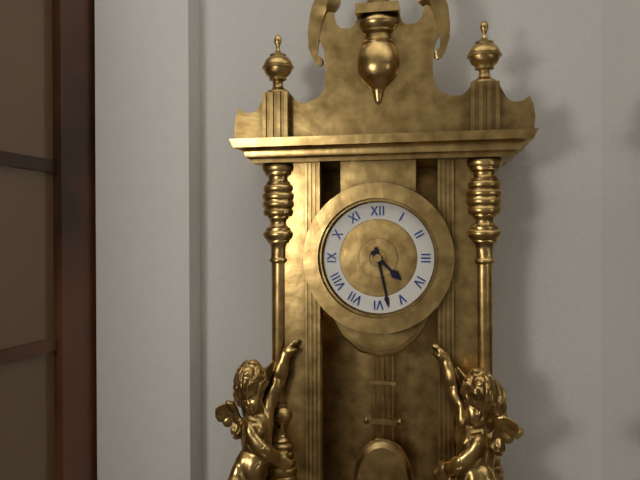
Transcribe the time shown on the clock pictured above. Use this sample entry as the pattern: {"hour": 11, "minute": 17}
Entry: {"hour": 4, "minute": 28}
